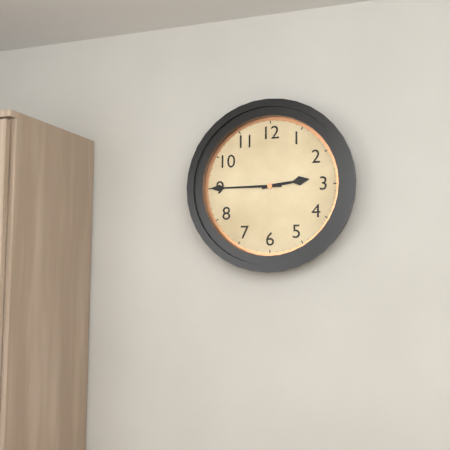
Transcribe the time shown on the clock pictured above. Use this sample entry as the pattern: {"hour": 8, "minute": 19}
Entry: {"hour": 2, "minute": 45}
